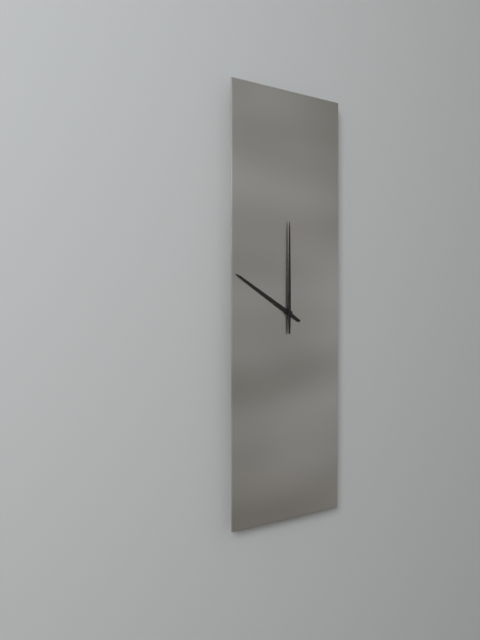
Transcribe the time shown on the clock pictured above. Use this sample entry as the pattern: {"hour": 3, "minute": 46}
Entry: {"hour": 10, "minute": 0}
